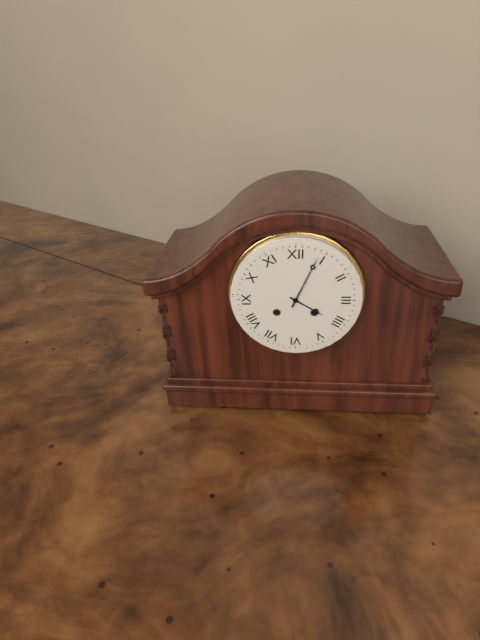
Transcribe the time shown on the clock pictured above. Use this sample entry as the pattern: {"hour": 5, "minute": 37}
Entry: {"hour": 4, "minute": 4}
